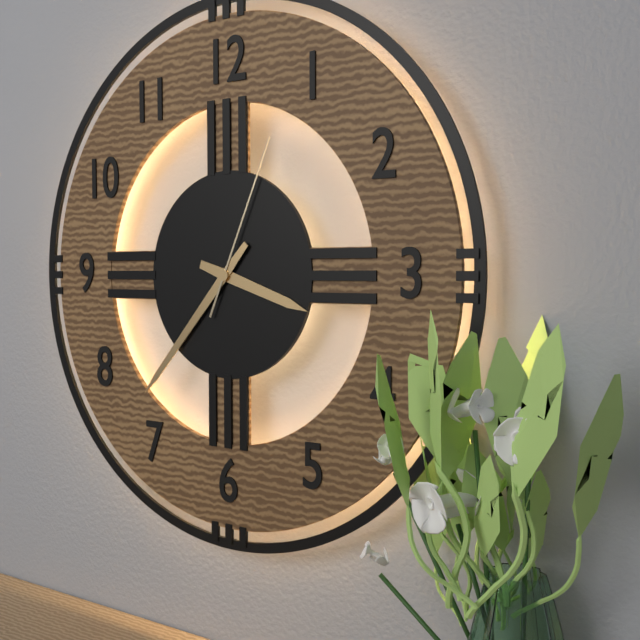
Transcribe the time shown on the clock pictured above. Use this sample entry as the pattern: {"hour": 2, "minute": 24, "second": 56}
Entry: {"hour": 3, "minute": 37, "second": 4}
